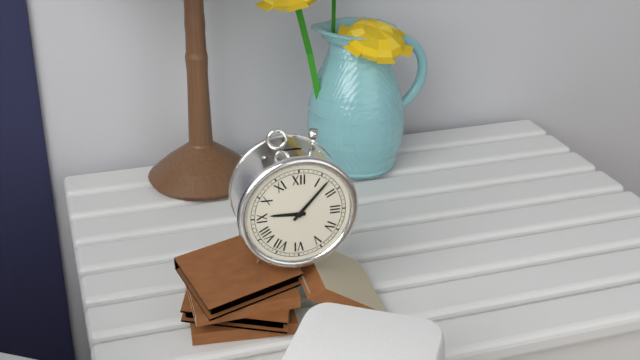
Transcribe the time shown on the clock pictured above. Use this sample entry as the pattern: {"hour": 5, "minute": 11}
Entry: {"hour": 9, "minute": 7}
